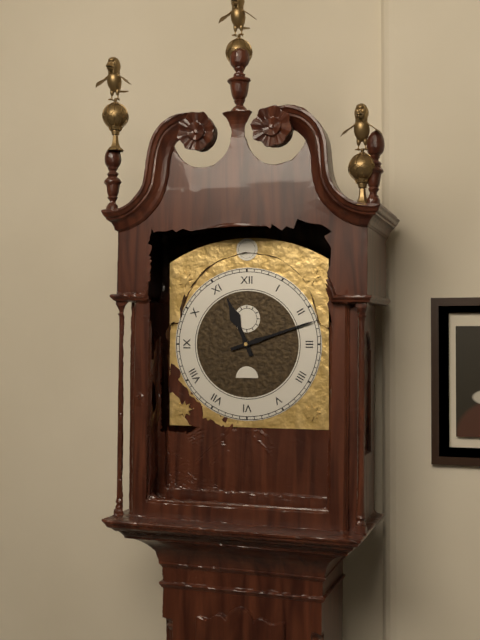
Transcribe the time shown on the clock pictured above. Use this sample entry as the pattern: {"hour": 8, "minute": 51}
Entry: {"hour": 11, "minute": 12}
